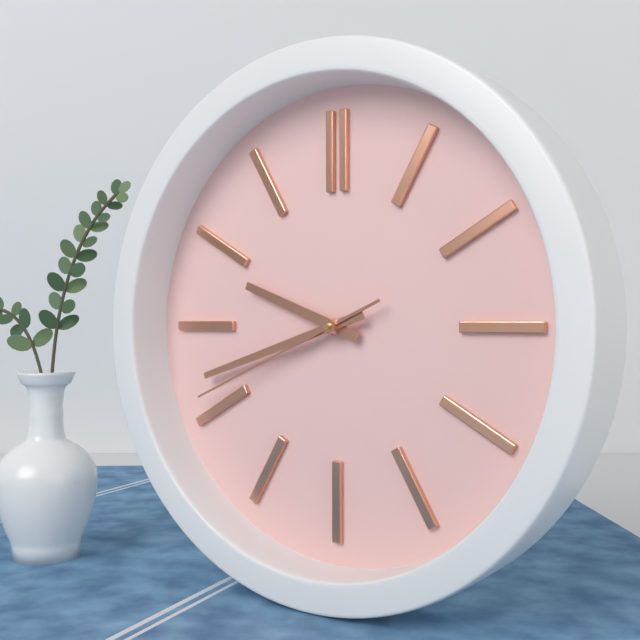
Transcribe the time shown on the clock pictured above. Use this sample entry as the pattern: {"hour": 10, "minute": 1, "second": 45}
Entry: {"hour": 9, "minute": 42, "second": 41}
